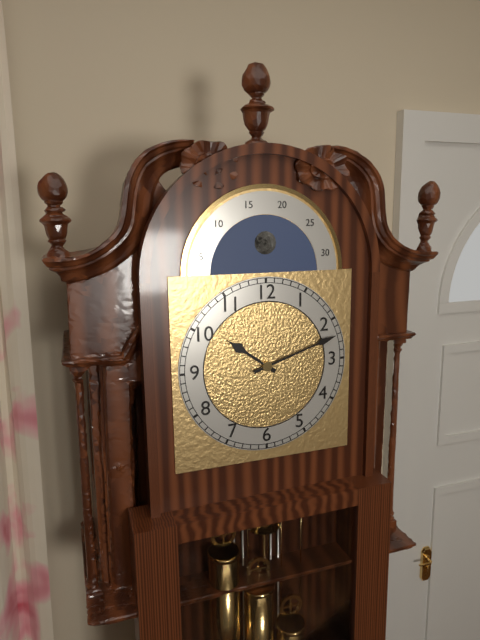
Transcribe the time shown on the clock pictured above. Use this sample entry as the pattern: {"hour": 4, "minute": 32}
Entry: {"hour": 10, "minute": 12}
